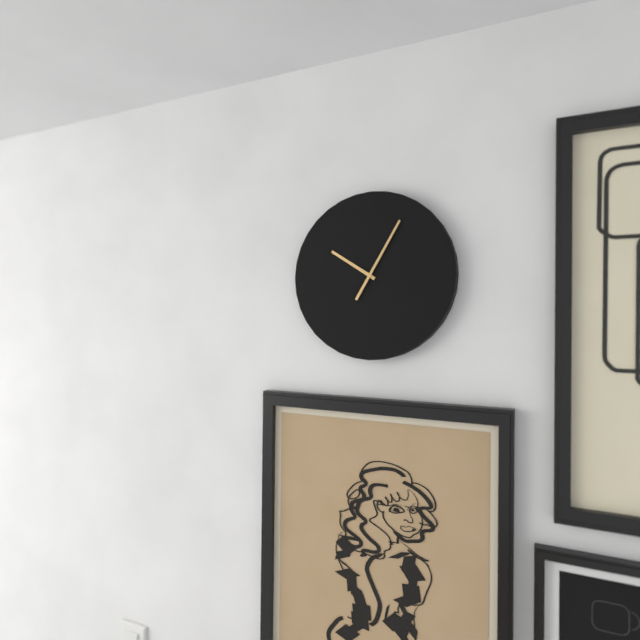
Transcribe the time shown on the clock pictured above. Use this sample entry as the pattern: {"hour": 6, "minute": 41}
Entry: {"hour": 10, "minute": 5}
